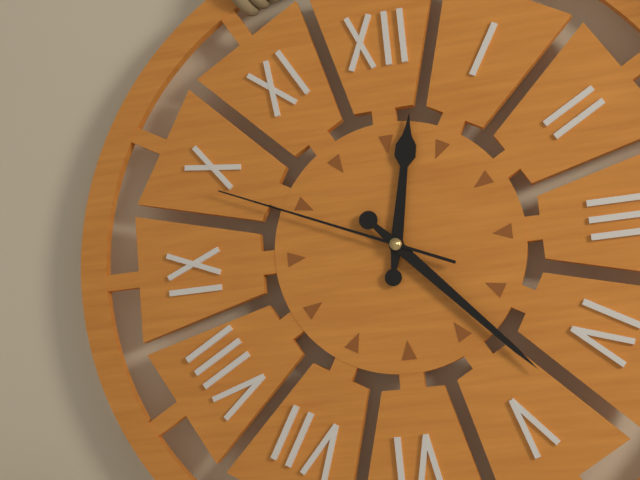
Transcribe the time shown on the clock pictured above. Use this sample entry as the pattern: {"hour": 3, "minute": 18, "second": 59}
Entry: {"hour": 12, "minute": 23, "second": 49}
